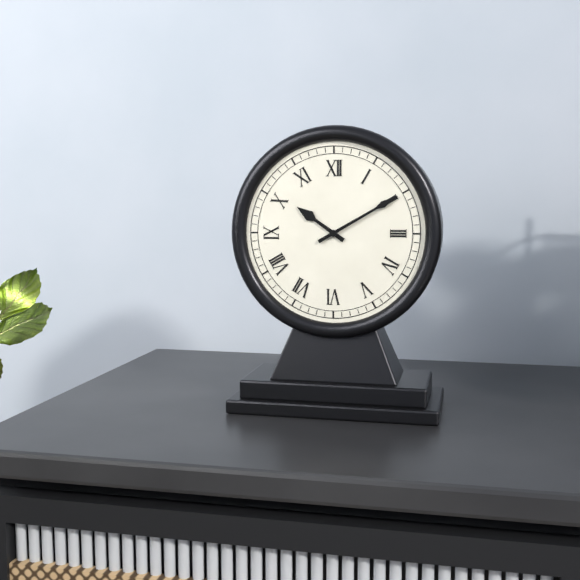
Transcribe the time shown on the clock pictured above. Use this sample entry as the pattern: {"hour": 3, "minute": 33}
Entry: {"hour": 10, "minute": 10}
